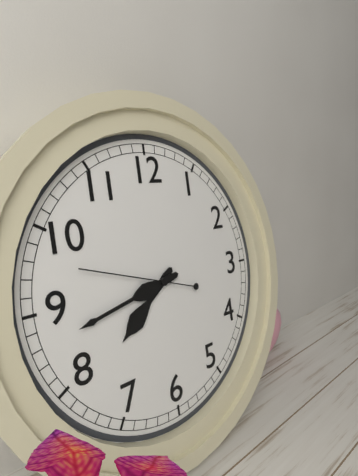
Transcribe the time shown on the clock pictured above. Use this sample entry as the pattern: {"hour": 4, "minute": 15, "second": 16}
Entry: {"hour": 7, "minute": 43, "second": 48}
